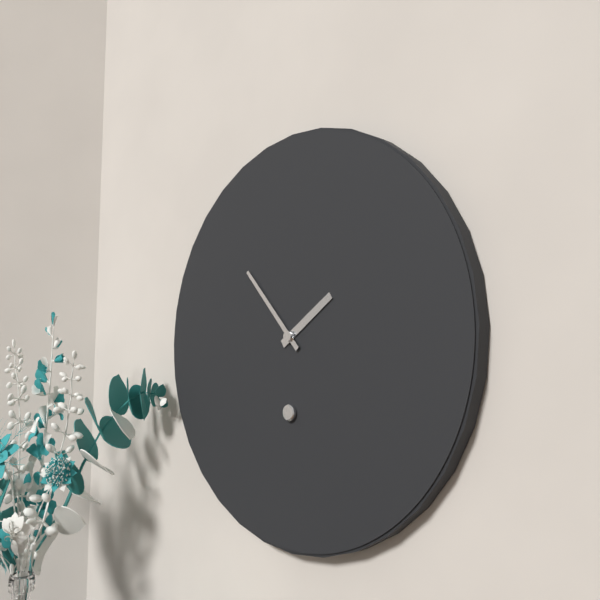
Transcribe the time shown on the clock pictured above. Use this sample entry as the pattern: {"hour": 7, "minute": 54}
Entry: {"hour": 1, "minute": 53}
